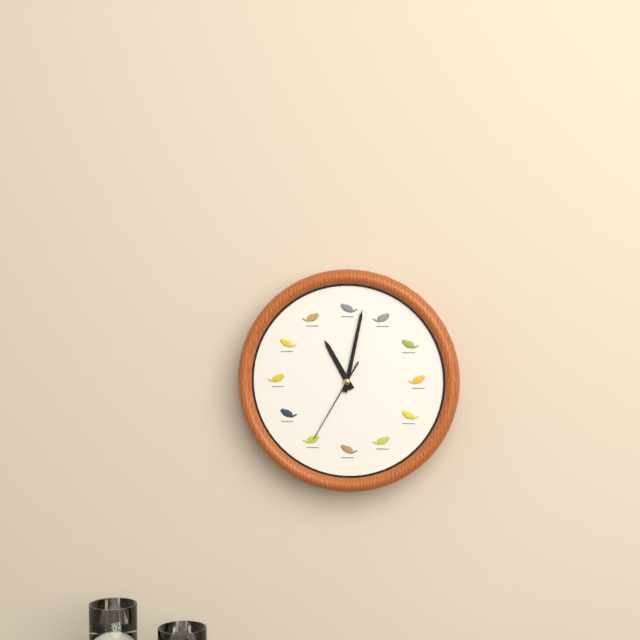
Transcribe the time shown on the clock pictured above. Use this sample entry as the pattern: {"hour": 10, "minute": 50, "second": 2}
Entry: {"hour": 11, "minute": 2, "second": 35}
